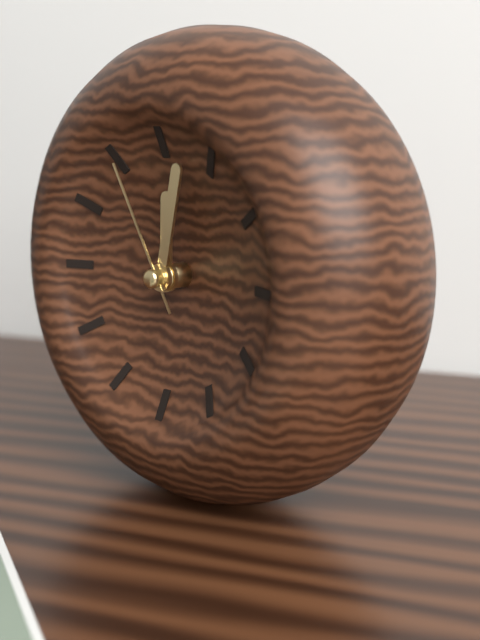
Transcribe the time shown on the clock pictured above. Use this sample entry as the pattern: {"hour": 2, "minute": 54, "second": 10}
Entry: {"hour": 12, "minute": 2, "second": 55}
